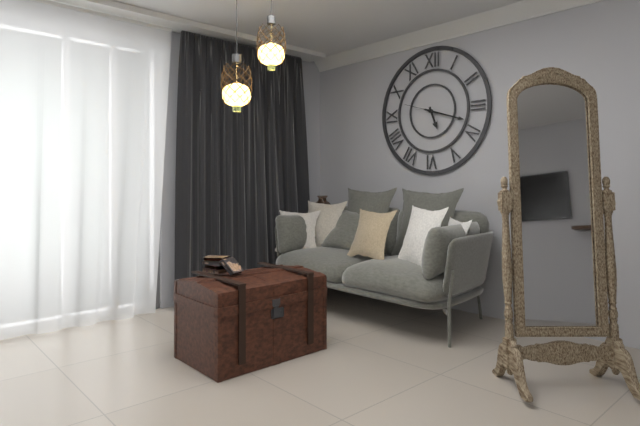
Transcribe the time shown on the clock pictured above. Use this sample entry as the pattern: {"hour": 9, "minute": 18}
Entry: {"hour": 5, "minute": 18}
